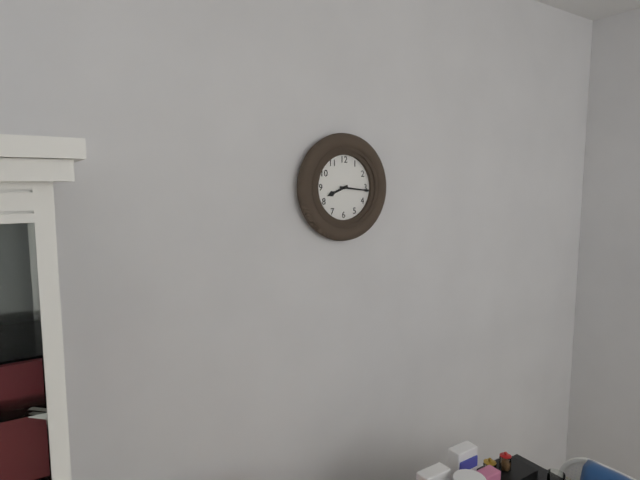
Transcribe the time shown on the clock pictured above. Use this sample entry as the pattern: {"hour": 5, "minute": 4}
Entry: {"hour": 8, "minute": 16}
